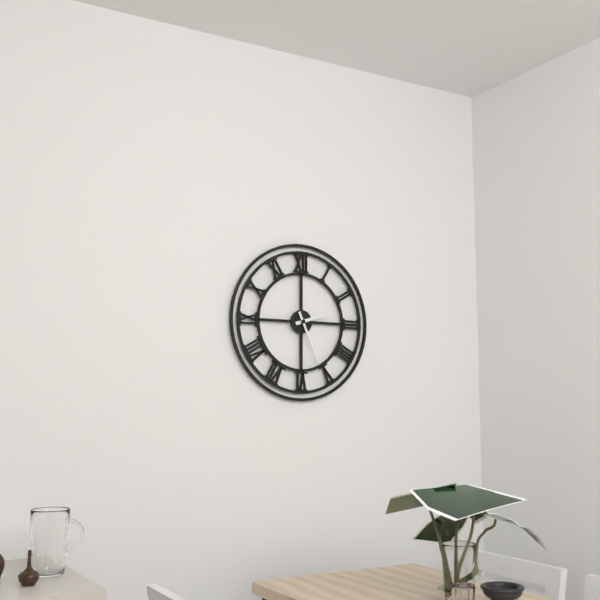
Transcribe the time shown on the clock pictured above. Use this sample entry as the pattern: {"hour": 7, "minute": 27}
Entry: {"hour": 2, "minute": 26}
